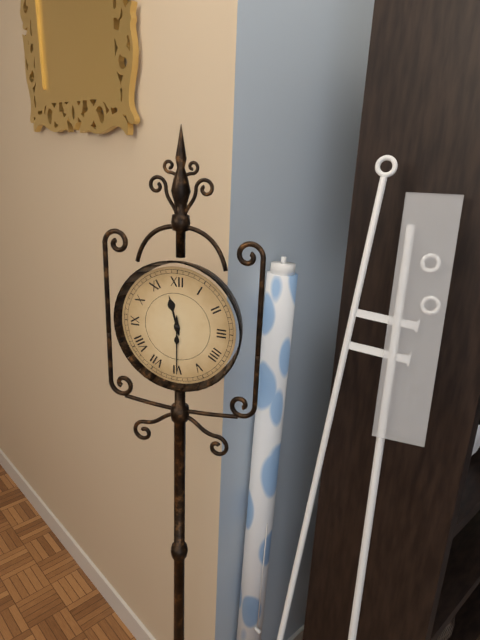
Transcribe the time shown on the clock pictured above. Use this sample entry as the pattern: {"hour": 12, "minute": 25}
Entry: {"hour": 11, "minute": 30}
